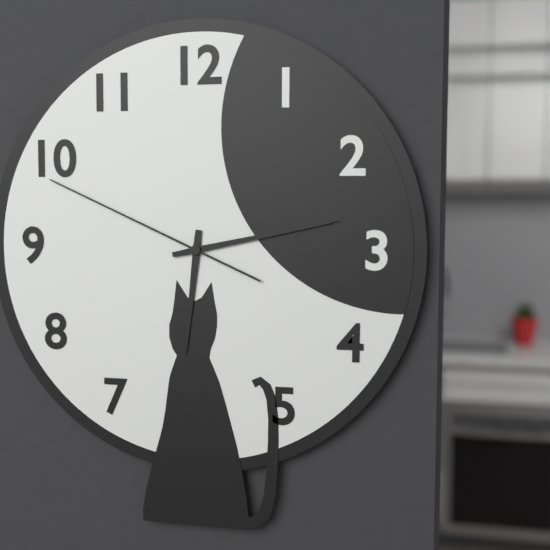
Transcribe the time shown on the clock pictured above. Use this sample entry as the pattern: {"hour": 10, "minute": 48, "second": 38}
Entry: {"hour": 6, "minute": 13, "second": 49}
